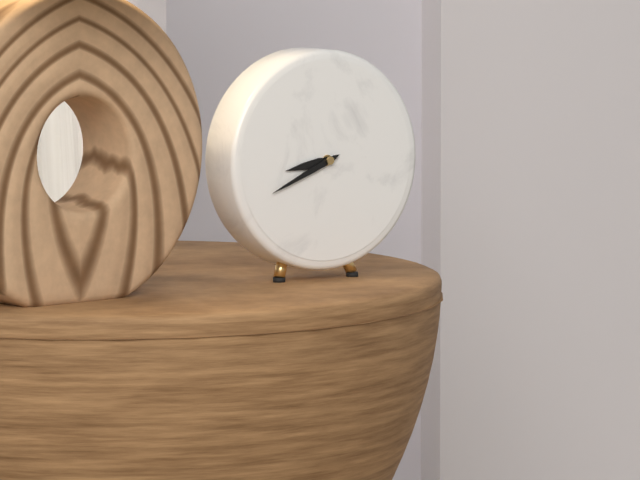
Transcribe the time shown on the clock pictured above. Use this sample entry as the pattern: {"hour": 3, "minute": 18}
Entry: {"hour": 8, "minute": 41}
